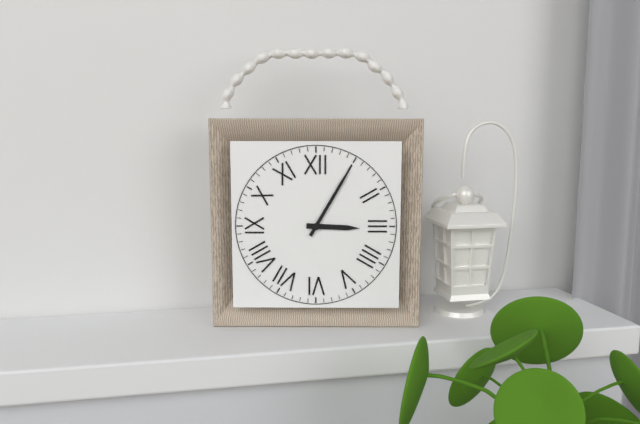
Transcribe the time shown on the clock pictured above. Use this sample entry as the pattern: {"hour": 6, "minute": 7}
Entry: {"hour": 3, "minute": 5}
